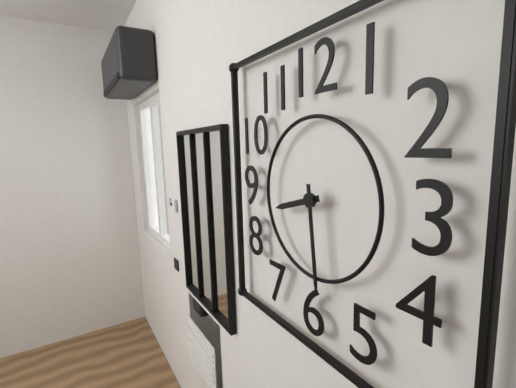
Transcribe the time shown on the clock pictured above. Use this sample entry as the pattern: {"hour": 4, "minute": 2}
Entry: {"hour": 8, "minute": 29}
